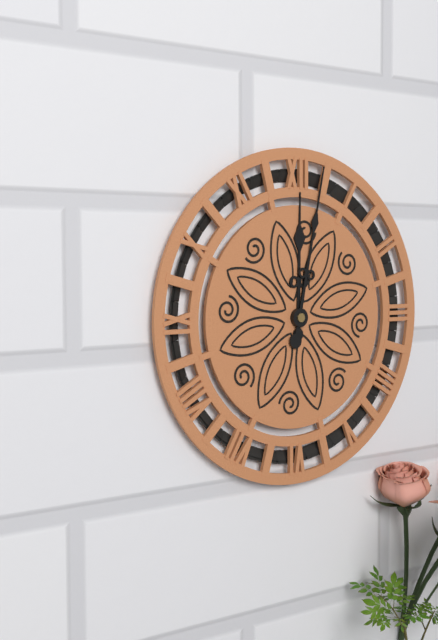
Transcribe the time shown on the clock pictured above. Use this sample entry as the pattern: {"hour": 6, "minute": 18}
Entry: {"hour": 12, "minute": 2}
